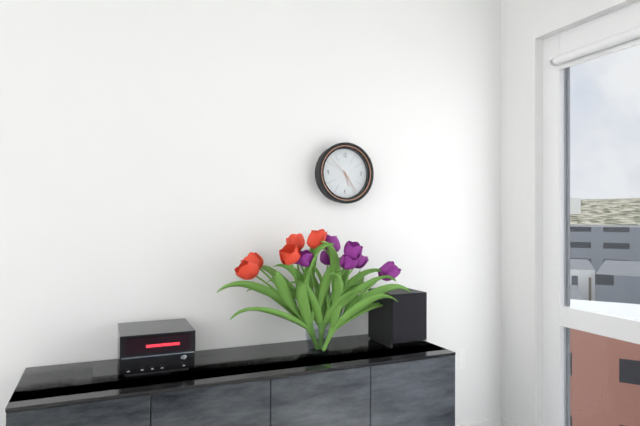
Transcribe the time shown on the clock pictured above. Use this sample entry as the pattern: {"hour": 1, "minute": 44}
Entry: {"hour": 5, "minute": 24}
